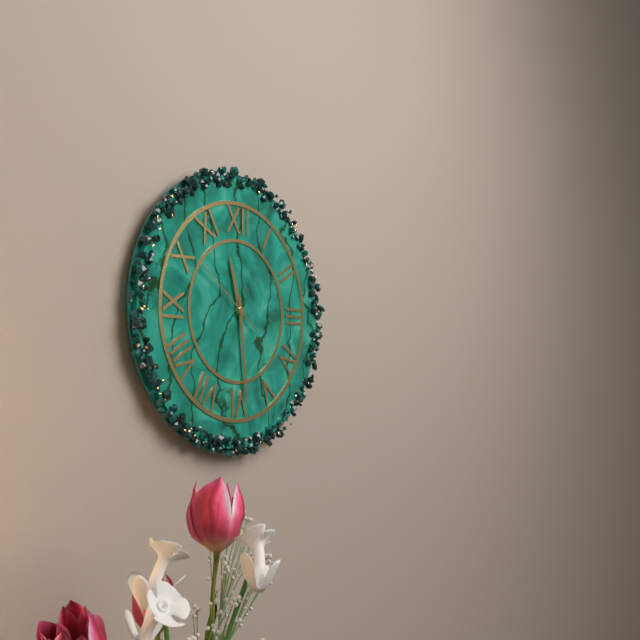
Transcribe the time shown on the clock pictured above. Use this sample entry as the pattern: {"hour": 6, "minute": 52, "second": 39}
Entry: {"hour": 11, "minute": 29, "second": 51}
